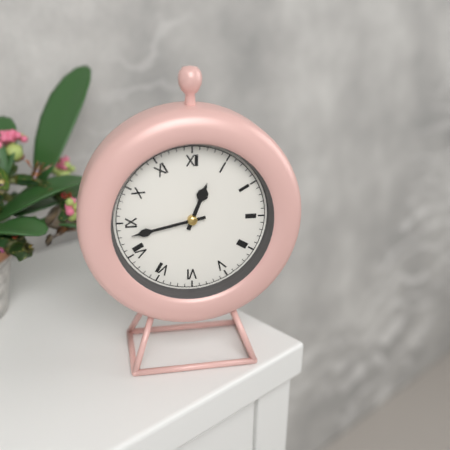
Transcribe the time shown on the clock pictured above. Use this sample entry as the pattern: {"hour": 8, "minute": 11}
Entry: {"hour": 12, "minute": 43}
